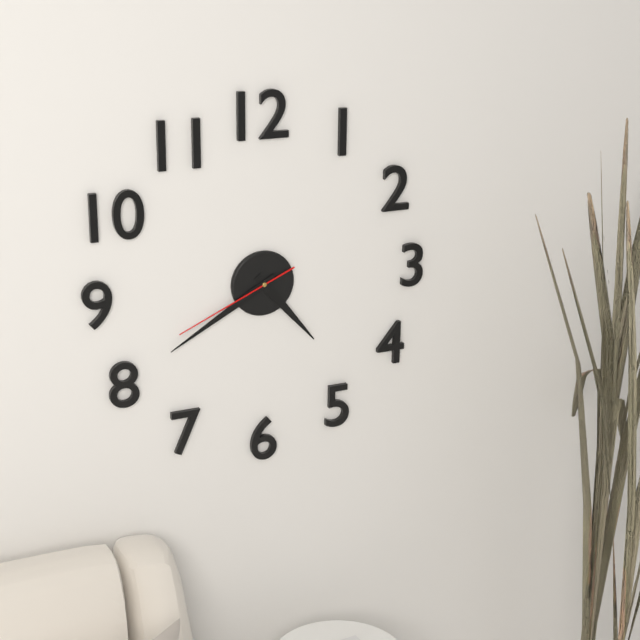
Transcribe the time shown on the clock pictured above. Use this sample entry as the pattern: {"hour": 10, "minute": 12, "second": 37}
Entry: {"hour": 4, "minute": 40, "second": 41}
